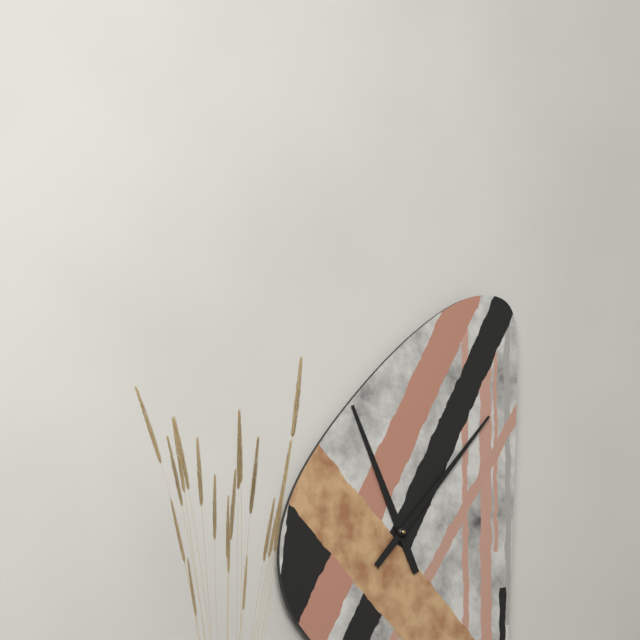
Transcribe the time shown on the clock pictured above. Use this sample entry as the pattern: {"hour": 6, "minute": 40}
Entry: {"hour": 11, "minute": 7}
